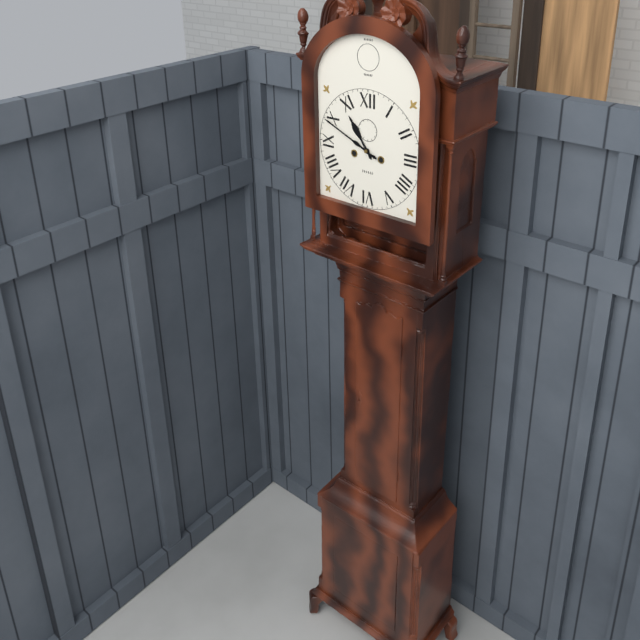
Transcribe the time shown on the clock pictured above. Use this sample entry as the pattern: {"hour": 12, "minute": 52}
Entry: {"hour": 10, "minute": 49}
